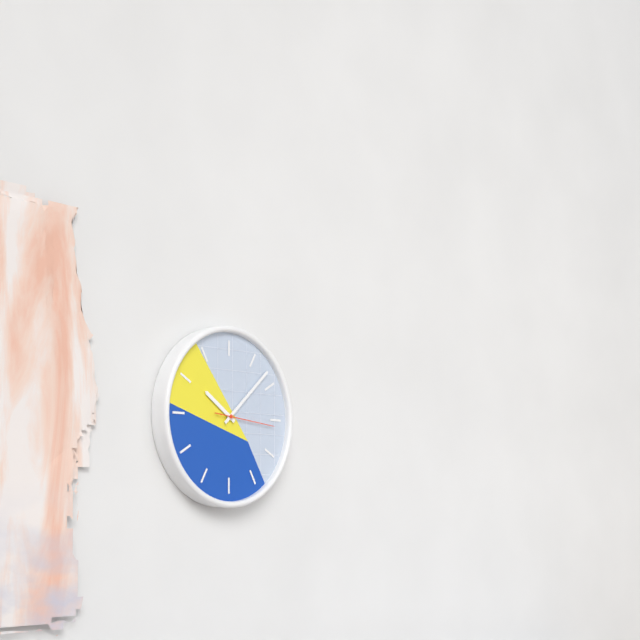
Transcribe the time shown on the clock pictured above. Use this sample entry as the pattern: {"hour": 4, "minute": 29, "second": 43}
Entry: {"hour": 10, "minute": 8, "second": 16}
